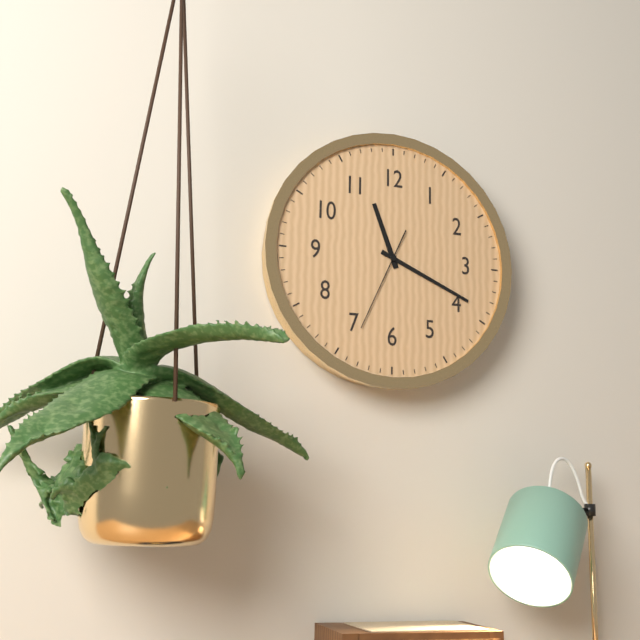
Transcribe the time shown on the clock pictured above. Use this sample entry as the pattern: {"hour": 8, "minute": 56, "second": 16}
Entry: {"hour": 11, "minute": 19, "second": 34}
